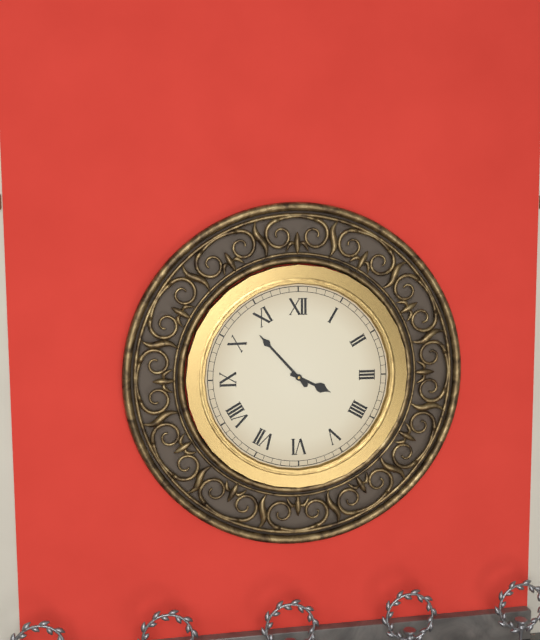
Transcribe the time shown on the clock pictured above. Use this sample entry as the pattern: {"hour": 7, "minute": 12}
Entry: {"hour": 3, "minute": 53}
